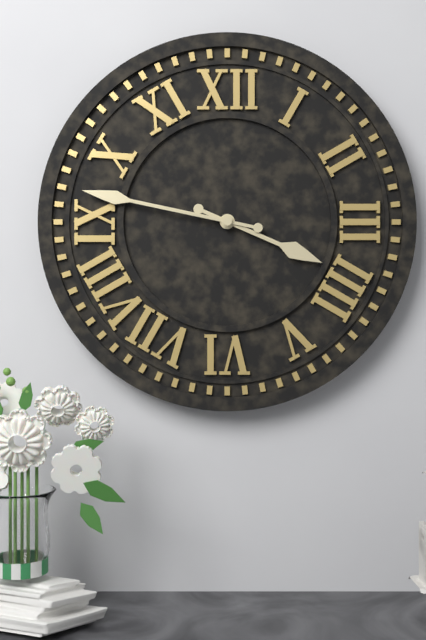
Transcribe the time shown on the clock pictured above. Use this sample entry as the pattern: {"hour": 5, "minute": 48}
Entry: {"hour": 3, "minute": 47}
